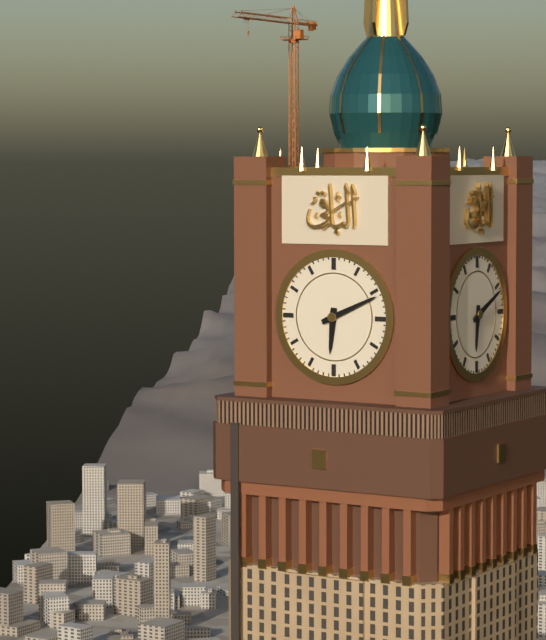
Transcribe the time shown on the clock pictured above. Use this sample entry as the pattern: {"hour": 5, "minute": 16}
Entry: {"hour": 6, "minute": 11}
